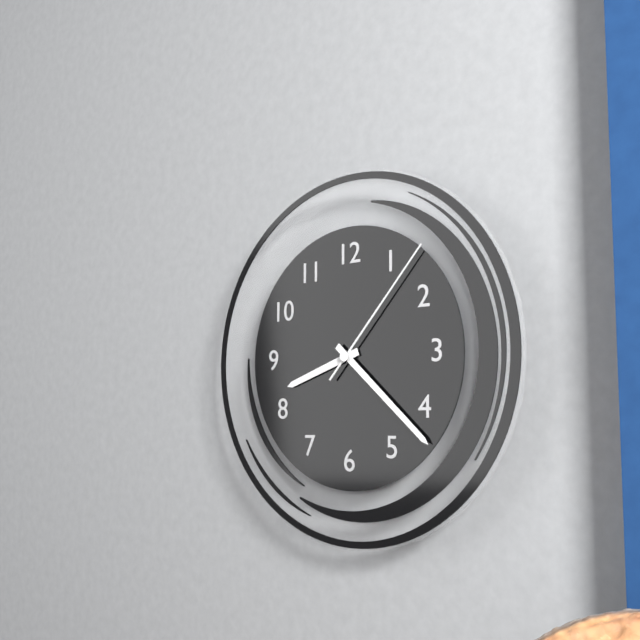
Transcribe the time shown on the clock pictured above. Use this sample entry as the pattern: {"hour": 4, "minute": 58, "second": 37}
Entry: {"hour": 8, "minute": 22, "second": 7}
